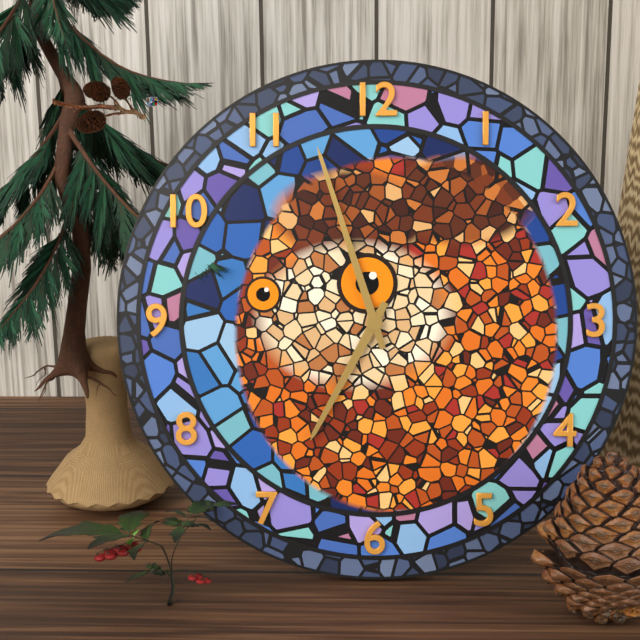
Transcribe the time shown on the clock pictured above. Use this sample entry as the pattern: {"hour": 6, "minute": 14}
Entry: {"hour": 6, "minute": 57}
